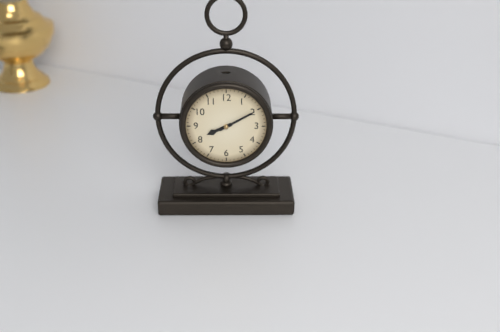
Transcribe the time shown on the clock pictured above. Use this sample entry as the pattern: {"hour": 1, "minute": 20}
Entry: {"hour": 8, "minute": 10}
